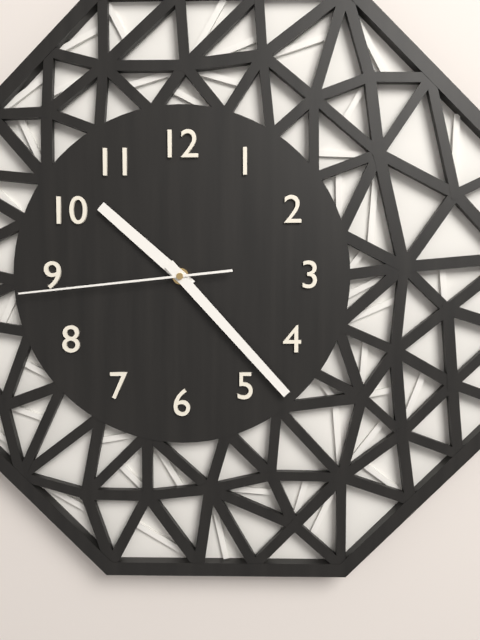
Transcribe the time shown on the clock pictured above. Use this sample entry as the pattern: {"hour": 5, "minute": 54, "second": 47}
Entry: {"hour": 10, "minute": 23, "second": 44}
